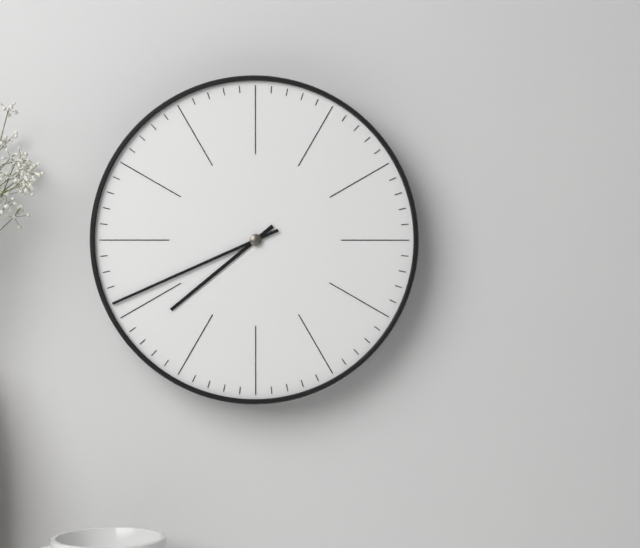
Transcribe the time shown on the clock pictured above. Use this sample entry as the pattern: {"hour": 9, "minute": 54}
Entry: {"hour": 7, "minute": 41}
